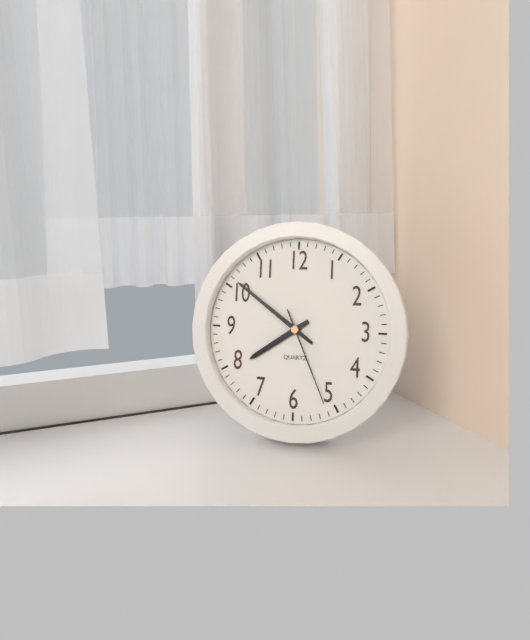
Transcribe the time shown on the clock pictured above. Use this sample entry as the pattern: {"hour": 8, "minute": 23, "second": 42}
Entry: {"hour": 7, "minute": 51, "second": 26}
